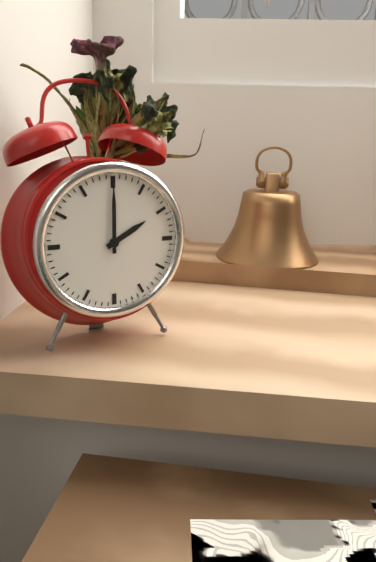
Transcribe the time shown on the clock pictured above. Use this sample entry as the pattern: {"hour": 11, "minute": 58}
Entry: {"hour": 2, "minute": 0}
